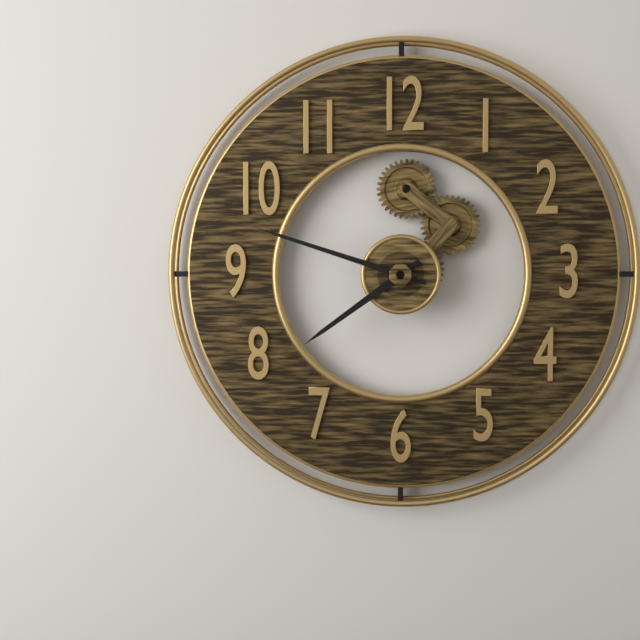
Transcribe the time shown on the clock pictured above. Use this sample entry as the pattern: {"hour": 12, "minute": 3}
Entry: {"hour": 7, "minute": 48}
